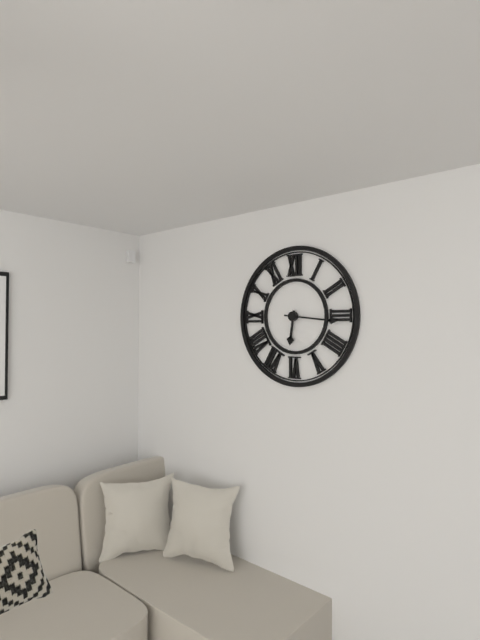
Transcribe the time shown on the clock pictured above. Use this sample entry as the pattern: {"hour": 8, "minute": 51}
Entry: {"hour": 6, "minute": 16}
